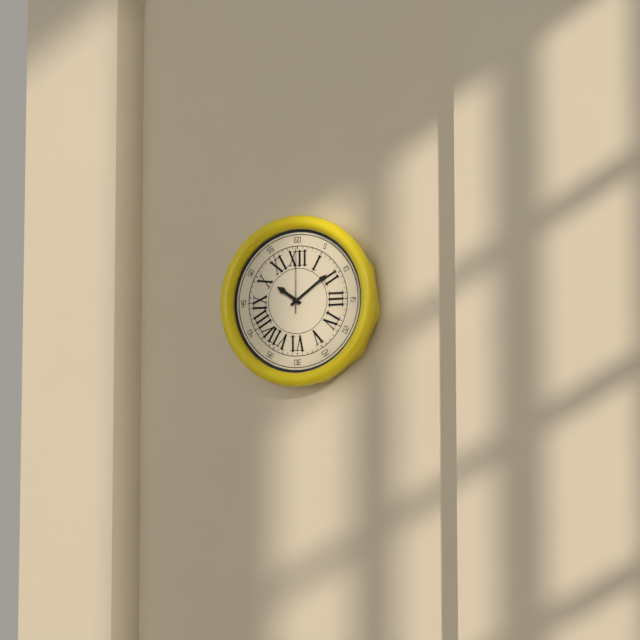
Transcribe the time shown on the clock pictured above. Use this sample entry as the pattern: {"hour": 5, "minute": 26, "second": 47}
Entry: {"hour": 10, "minute": 9, "second": 0}
